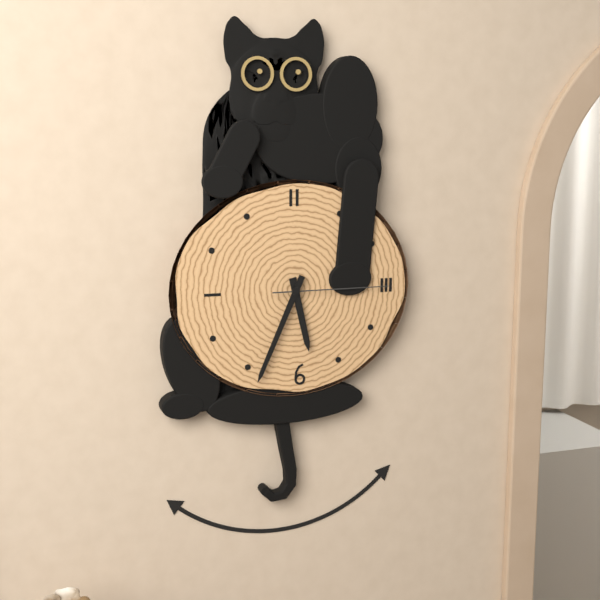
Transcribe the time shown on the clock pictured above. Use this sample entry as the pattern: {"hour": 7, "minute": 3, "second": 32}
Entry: {"hour": 5, "minute": 34, "second": 15}
